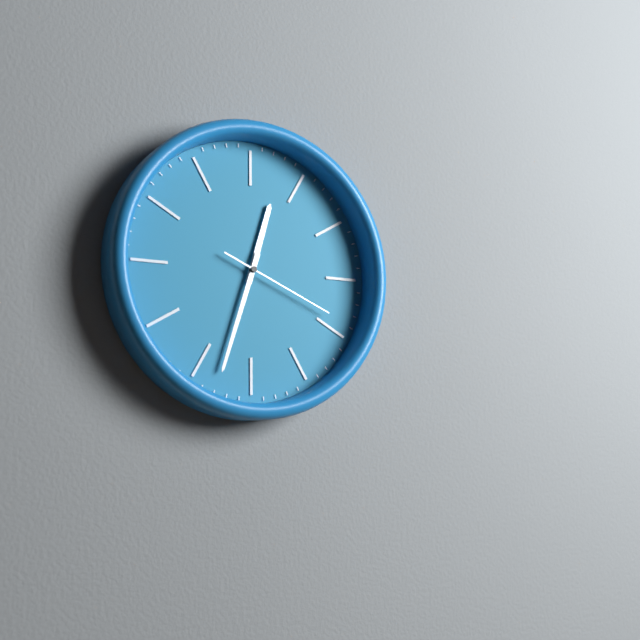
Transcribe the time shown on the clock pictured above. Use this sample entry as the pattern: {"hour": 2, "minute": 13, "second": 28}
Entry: {"hour": 12, "minute": 33, "second": 19}
